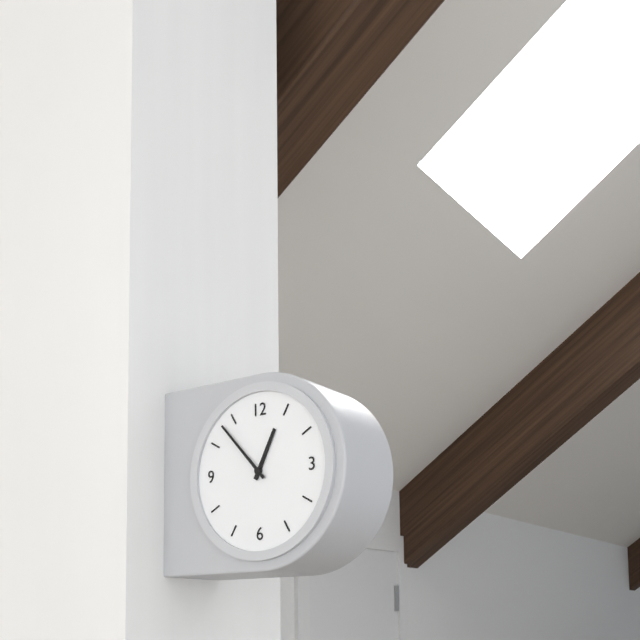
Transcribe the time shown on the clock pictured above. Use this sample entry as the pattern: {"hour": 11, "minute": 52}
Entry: {"hour": 12, "minute": 53}
